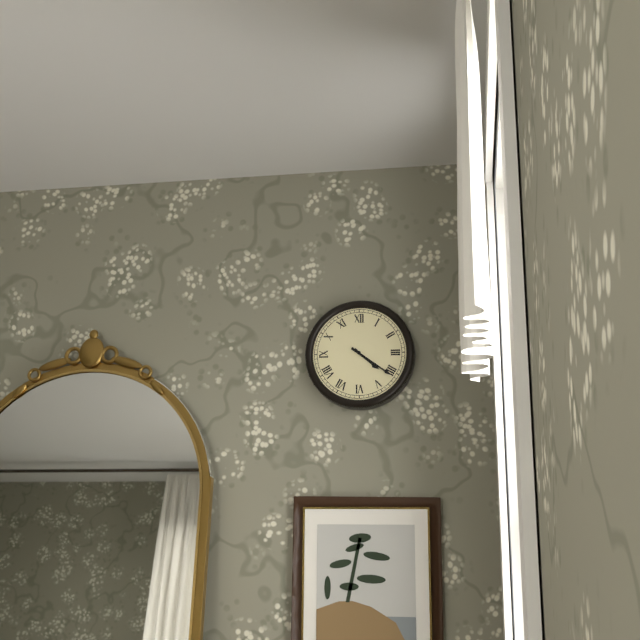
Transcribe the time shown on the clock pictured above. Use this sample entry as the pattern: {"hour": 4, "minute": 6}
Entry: {"hour": 4, "minute": 21}
